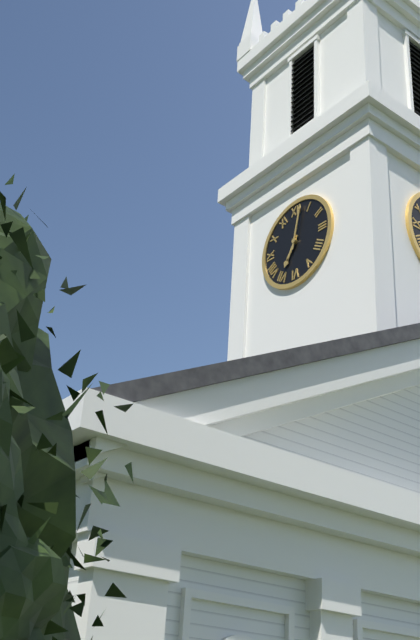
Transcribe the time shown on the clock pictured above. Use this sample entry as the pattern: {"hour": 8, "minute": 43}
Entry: {"hour": 7, "minute": 2}
